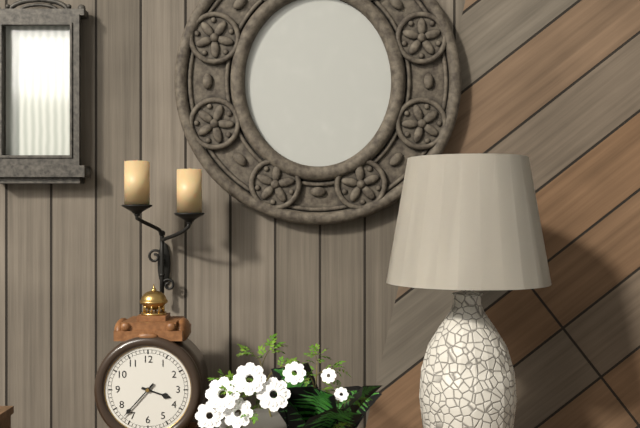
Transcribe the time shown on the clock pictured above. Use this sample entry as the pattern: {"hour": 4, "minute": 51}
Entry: {"hour": 3, "minute": 37}
